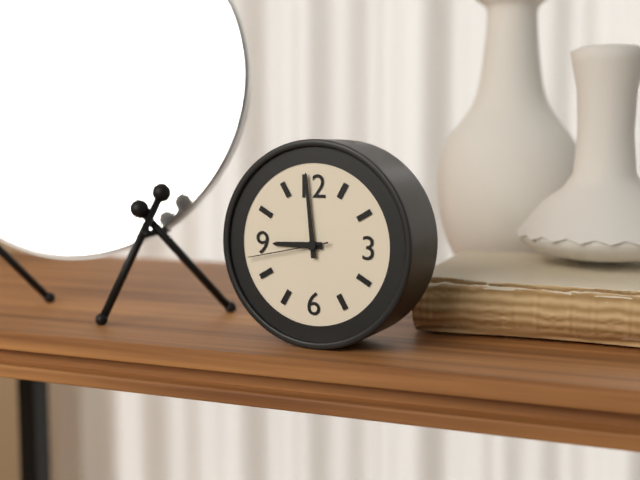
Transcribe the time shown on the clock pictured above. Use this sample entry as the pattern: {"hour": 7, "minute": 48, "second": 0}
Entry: {"hour": 8, "minute": 59, "second": 43}
